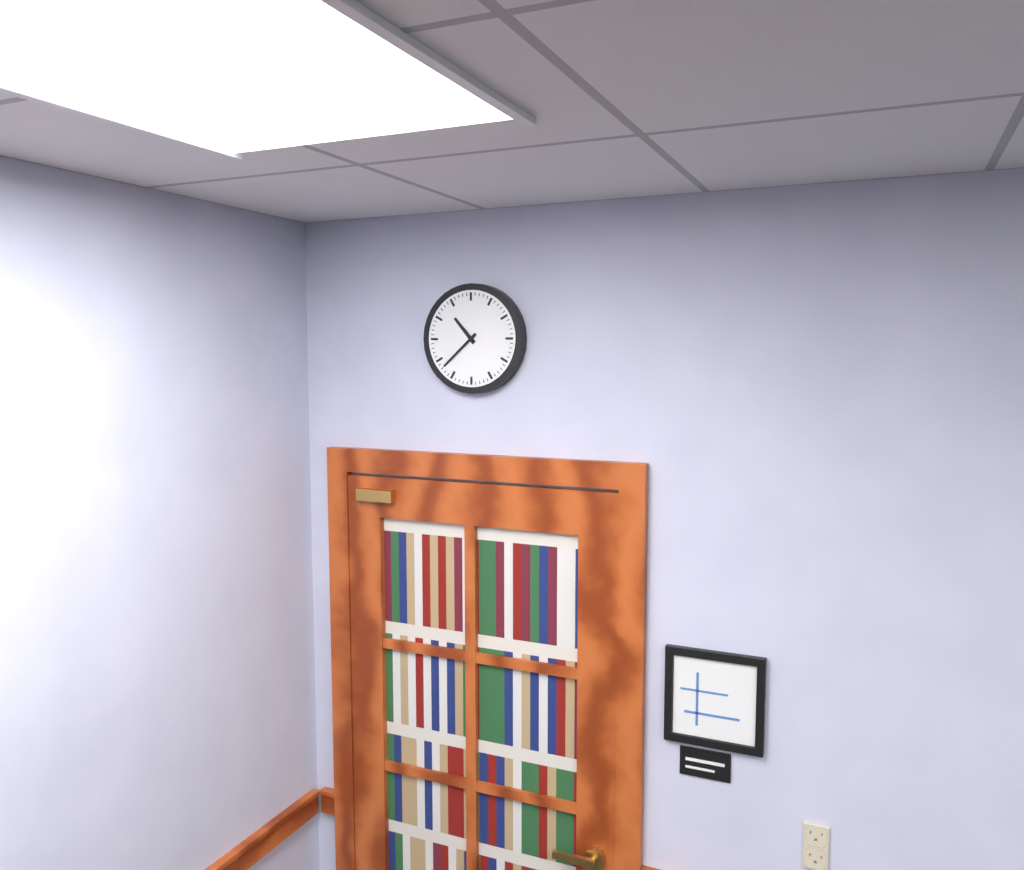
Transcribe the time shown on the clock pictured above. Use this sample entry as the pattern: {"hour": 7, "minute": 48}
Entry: {"hour": 10, "minute": 38}
